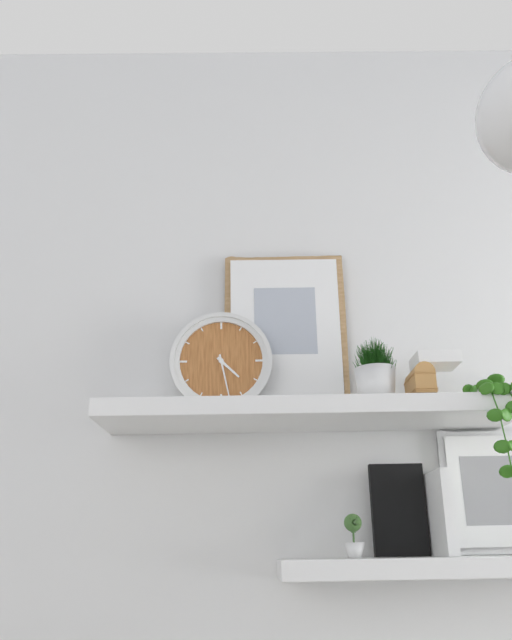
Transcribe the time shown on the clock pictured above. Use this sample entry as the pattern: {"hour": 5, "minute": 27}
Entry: {"hour": 4, "minute": 28}
